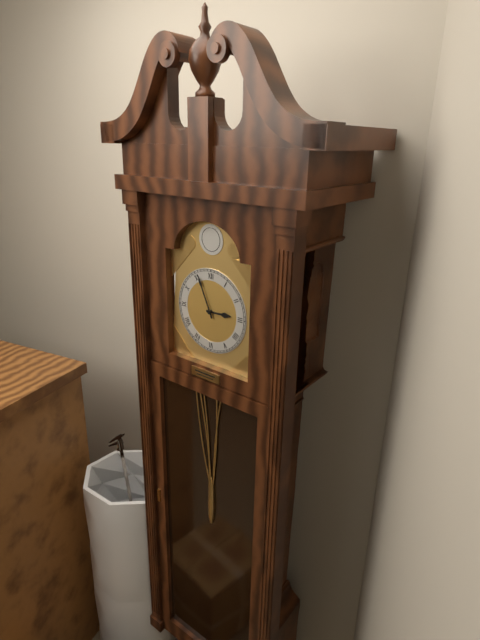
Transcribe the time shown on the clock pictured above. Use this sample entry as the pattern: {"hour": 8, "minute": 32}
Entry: {"hour": 2, "minute": 56}
